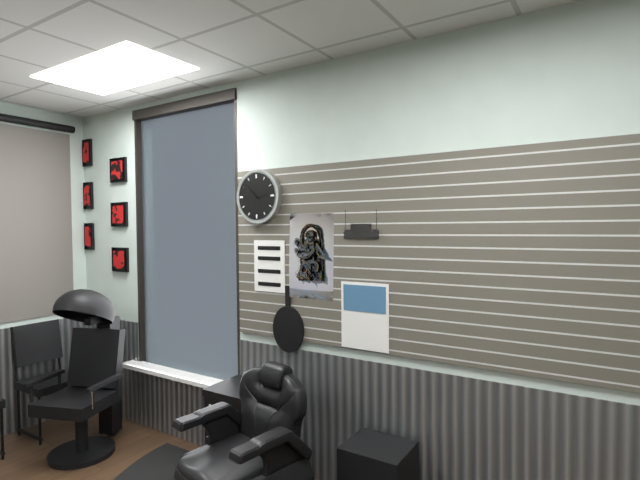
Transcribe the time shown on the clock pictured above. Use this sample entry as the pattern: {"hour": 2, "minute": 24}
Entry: {"hour": 2, "minute": 52}
